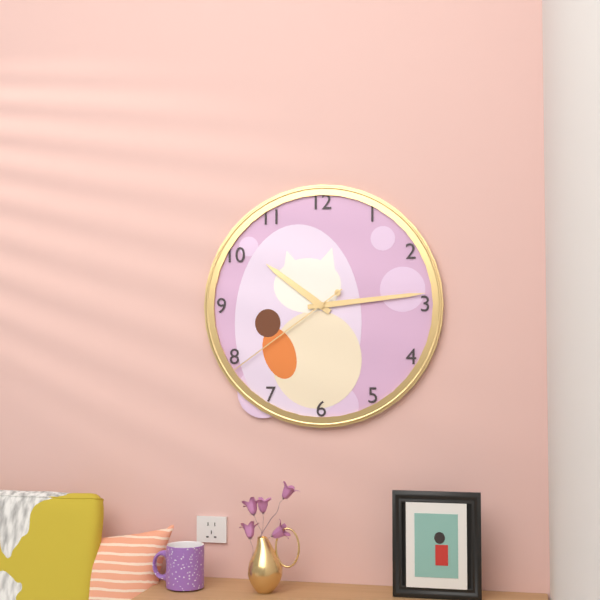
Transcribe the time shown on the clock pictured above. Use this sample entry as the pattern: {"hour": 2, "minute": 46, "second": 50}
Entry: {"hour": 10, "minute": 14, "second": 39}
